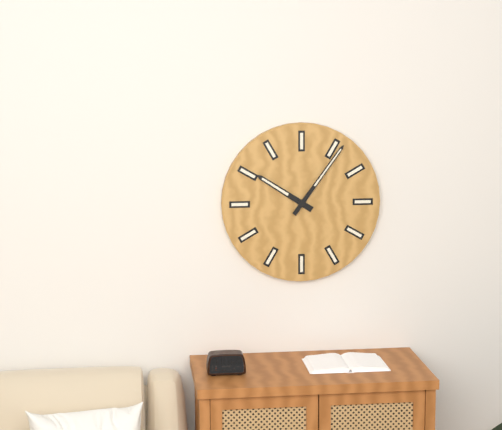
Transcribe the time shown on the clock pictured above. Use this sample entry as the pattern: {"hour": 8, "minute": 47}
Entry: {"hour": 10, "minute": 6}
